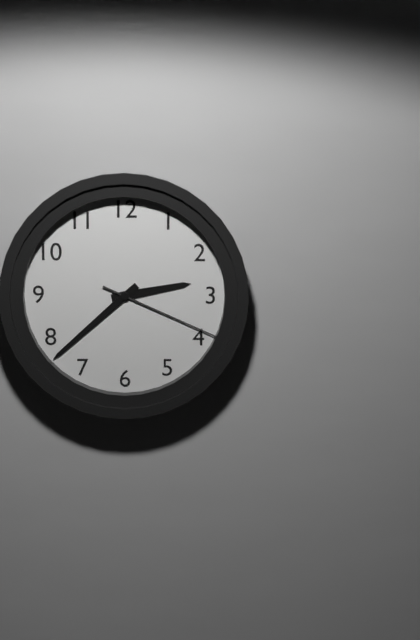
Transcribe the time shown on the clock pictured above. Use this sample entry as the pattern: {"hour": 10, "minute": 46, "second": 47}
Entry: {"hour": 2, "minute": 38, "second": 19}
